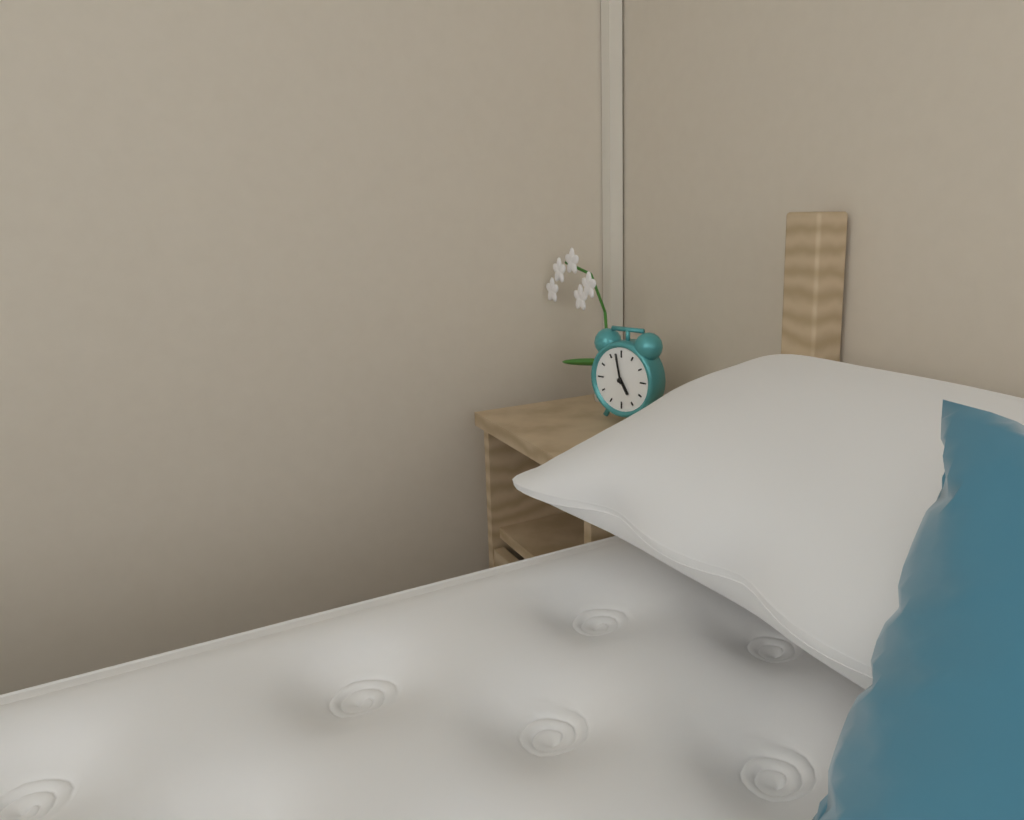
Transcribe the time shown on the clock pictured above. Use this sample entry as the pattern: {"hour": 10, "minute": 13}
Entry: {"hour": 4, "minute": 58}
